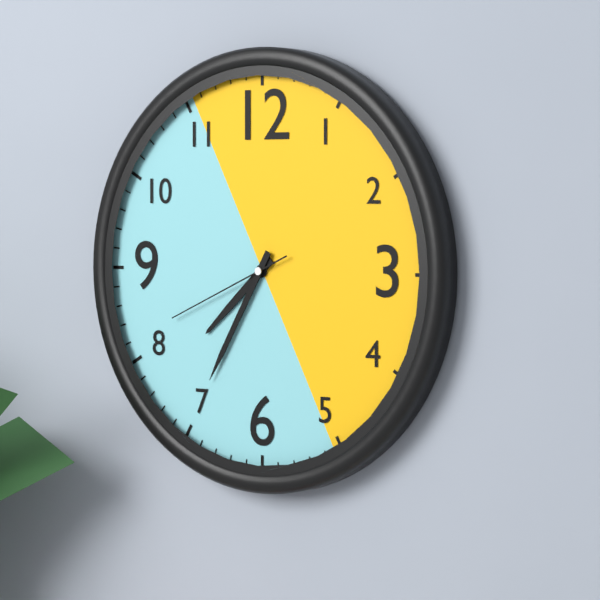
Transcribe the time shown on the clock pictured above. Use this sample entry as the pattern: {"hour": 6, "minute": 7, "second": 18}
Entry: {"hour": 7, "minute": 35, "second": 41}
